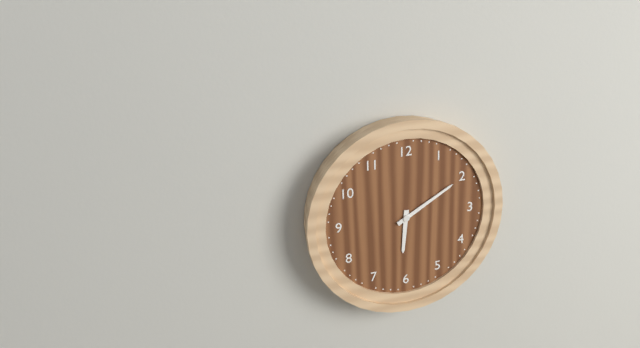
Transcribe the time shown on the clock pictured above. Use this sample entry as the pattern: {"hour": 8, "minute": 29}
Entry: {"hour": 6, "minute": 10}
